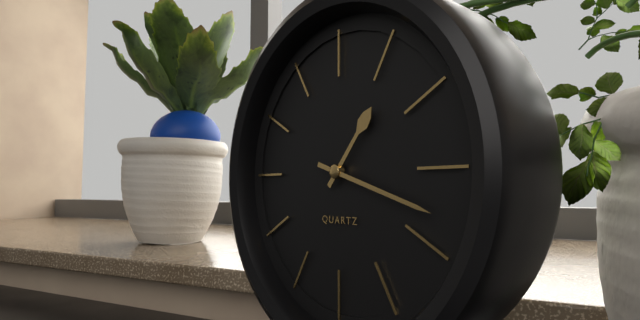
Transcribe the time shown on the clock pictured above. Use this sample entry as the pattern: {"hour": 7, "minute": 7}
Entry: {"hour": 1, "minute": 18}
